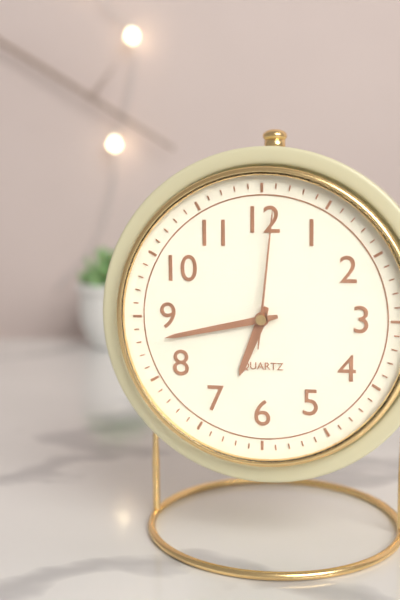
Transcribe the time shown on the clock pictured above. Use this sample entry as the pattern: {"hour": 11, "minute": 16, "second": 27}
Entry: {"hour": 6, "minute": 43, "second": 1}
